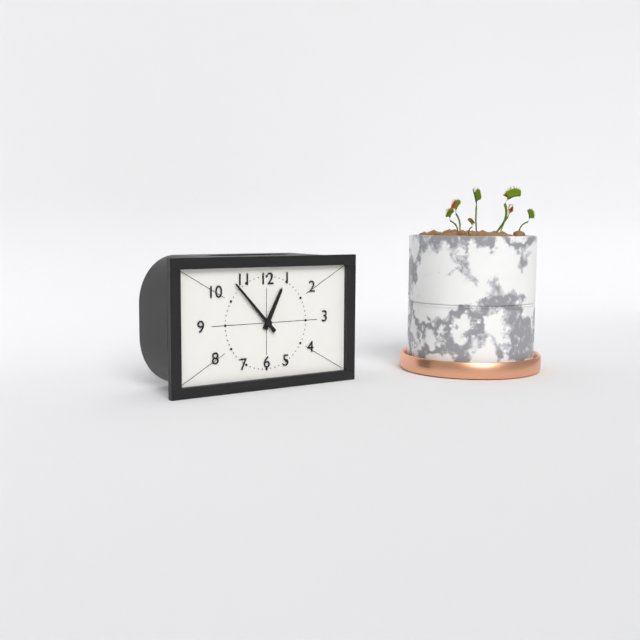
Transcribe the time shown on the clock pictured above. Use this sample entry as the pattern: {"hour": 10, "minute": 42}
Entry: {"hour": 12, "minute": 53}
